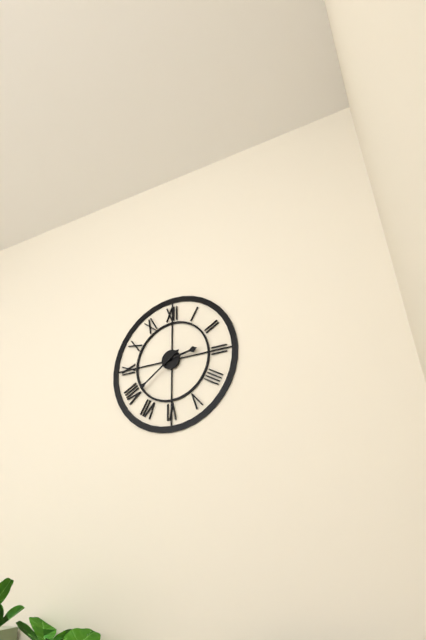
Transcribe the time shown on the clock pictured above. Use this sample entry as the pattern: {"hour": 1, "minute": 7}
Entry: {"hour": 2, "minute": 39}
